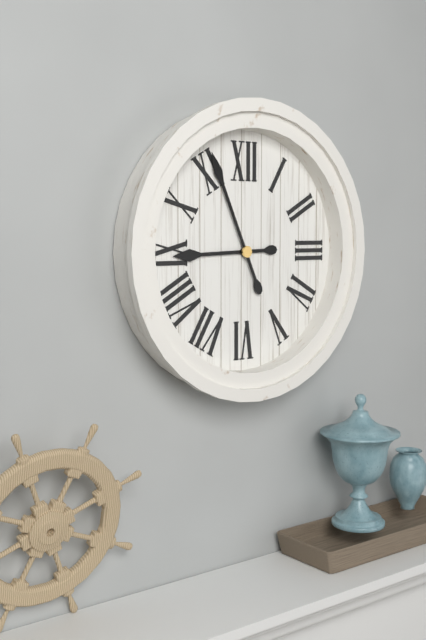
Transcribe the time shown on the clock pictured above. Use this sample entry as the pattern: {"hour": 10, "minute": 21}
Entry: {"hour": 8, "minute": 56}
